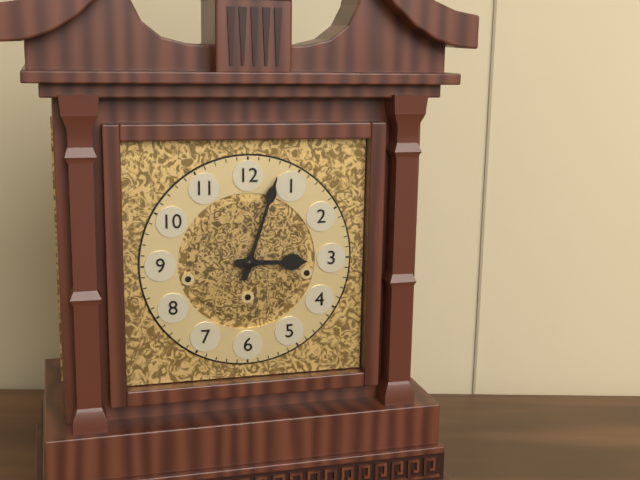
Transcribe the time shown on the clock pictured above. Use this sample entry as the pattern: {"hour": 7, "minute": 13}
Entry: {"hour": 3, "minute": 3}
